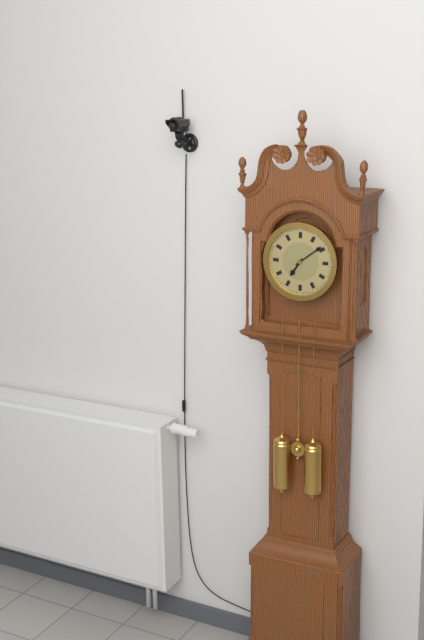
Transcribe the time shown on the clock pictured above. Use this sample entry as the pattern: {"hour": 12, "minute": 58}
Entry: {"hour": 7, "minute": 9}
